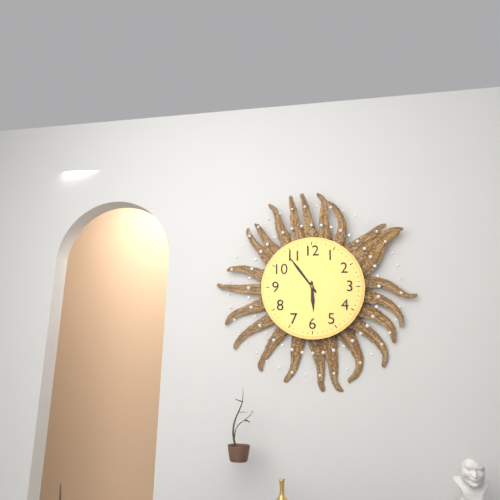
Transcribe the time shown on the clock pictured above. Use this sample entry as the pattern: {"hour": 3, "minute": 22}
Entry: {"hour": 5, "minute": 54}
